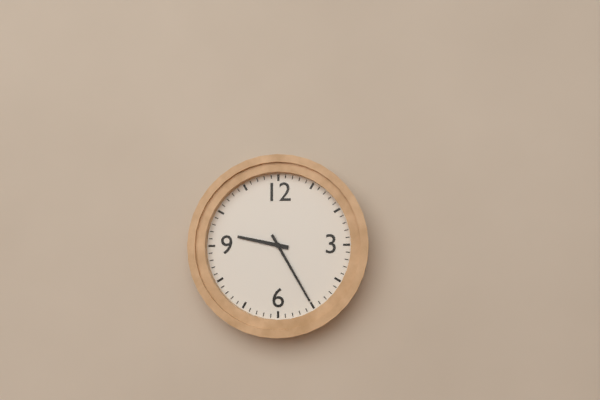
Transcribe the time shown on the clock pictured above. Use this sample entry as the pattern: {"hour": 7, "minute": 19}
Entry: {"hour": 9, "minute": 25}
